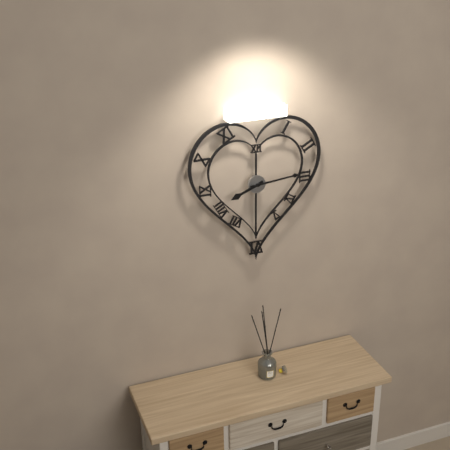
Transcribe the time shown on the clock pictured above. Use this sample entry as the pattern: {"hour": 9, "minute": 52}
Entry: {"hour": 8, "minute": 14}
